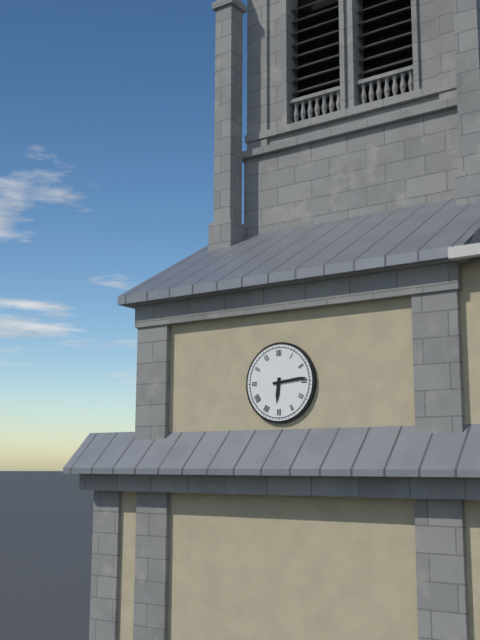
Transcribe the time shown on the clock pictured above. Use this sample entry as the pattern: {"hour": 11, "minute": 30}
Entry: {"hour": 6, "minute": 14}
